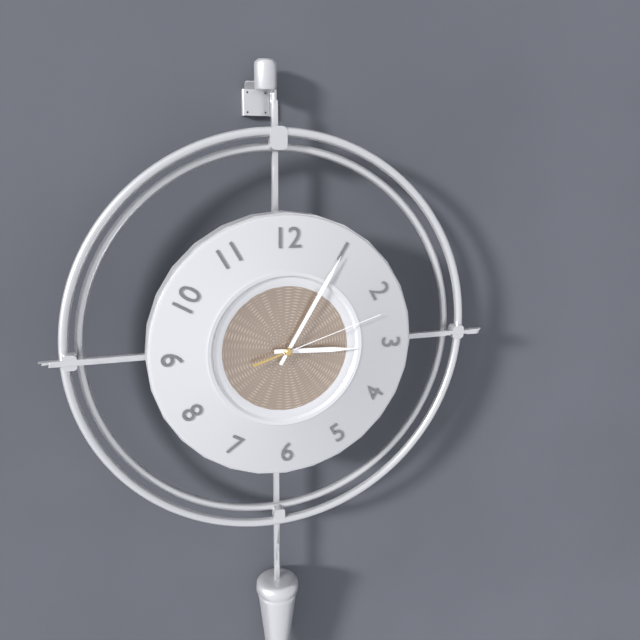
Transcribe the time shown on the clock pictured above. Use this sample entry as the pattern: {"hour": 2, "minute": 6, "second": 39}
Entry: {"hour": 3, "minute": 5, "second": 12}
